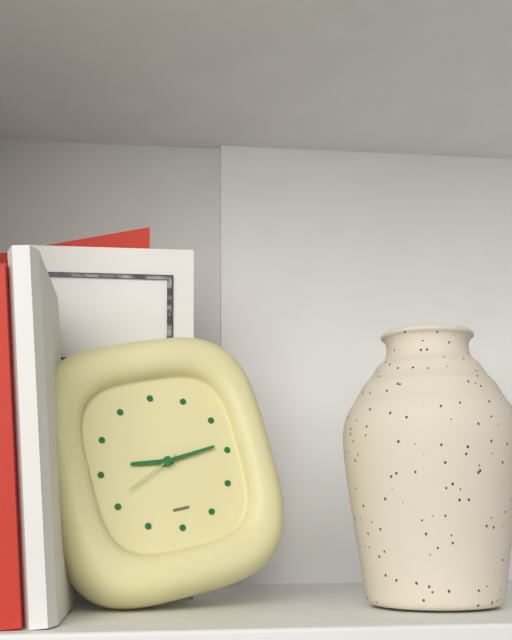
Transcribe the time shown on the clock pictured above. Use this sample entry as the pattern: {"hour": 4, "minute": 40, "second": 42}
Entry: {"hour": 9, "minute": 14, "second": 41}
